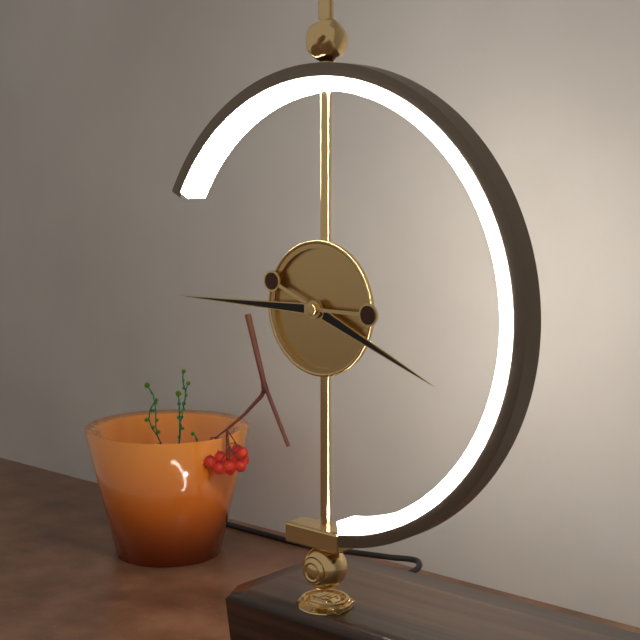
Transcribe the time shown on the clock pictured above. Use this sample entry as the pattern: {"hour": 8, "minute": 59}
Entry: {"hour": 3, "minute": 45}
